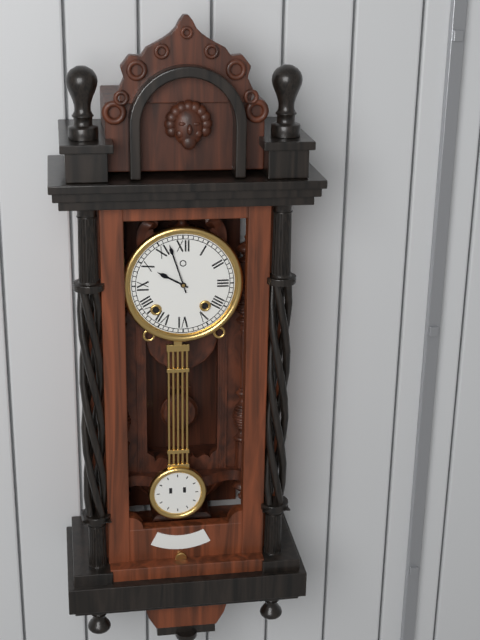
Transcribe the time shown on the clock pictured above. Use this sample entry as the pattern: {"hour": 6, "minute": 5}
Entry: {"hour": 9, "minute": 57}
